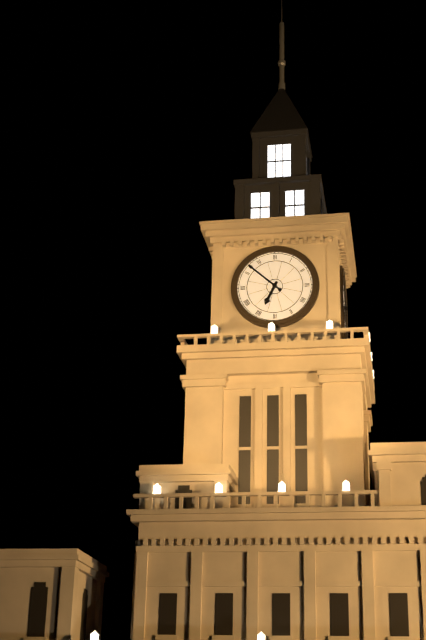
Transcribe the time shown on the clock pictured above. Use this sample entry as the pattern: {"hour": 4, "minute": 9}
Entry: {"hour": 6, "minute": 52}
